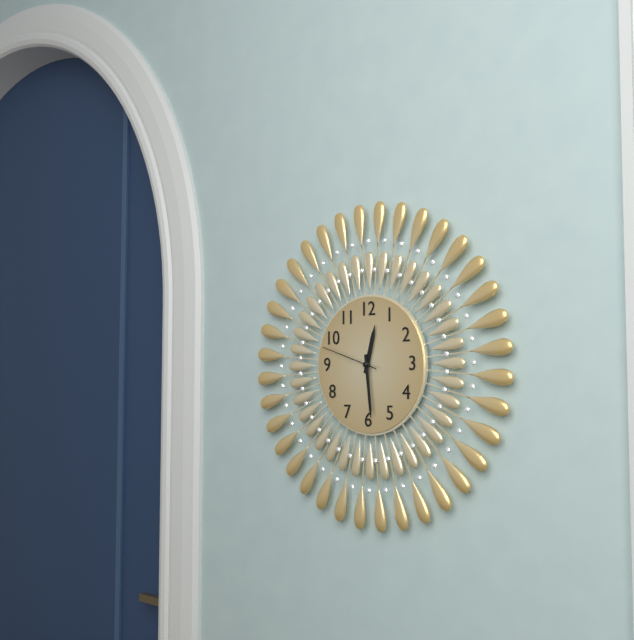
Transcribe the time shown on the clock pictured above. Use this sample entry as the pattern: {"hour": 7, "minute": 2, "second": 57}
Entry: {"hour": 12, "minute": 29, "second": 48}
